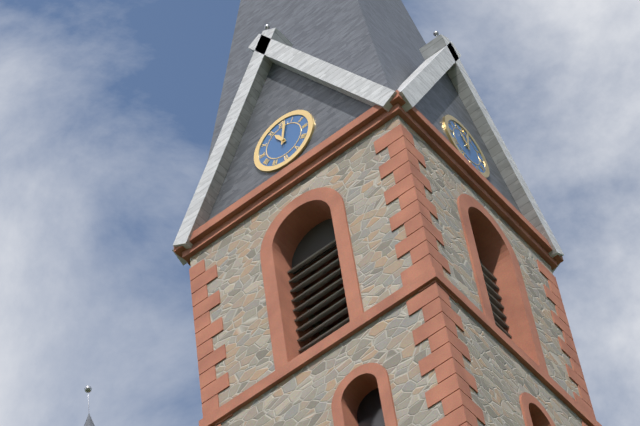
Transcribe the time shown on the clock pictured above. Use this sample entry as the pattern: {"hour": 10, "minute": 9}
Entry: {"hour": 11, "minute": 2}
